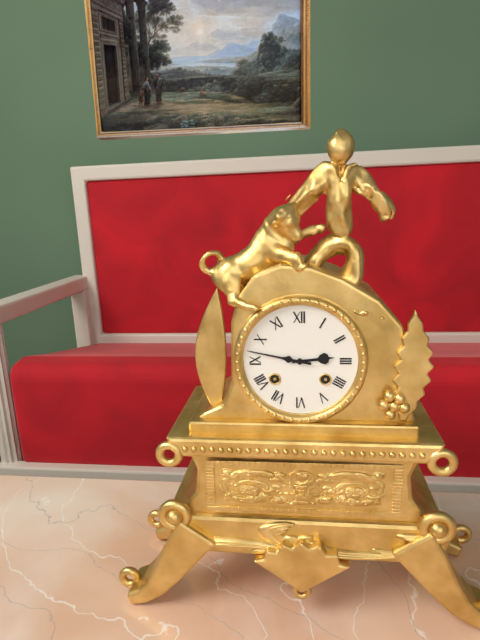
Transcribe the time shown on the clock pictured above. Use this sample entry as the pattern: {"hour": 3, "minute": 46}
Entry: {"hour": 2, "minute": 47}
